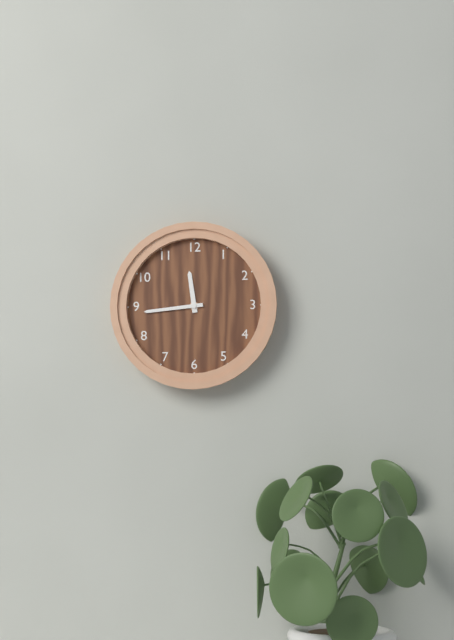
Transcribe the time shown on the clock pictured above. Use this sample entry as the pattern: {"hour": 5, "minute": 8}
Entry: {"hour": 11, "minute": 44}
